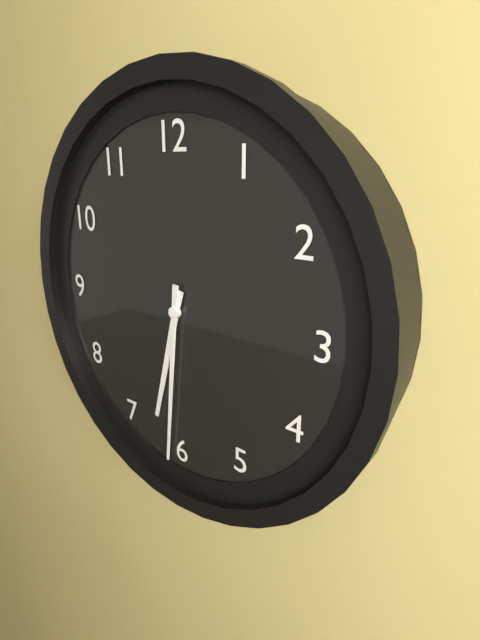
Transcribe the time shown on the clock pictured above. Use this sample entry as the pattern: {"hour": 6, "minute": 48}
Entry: {"hour": 6, "minute": 31}
